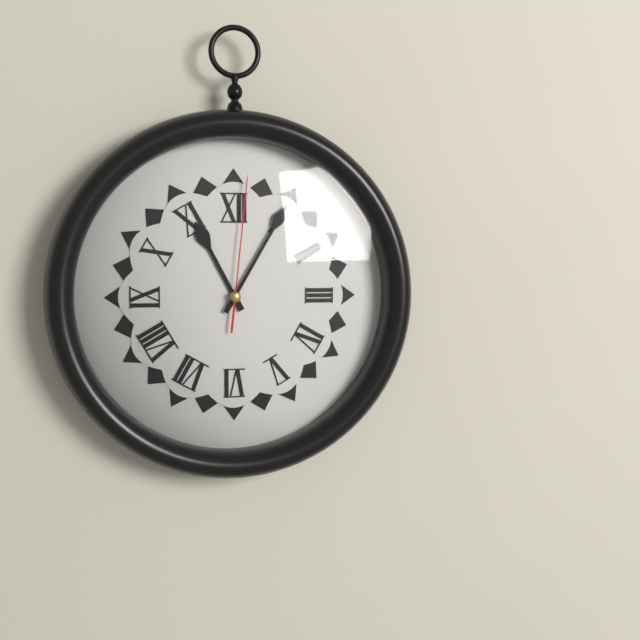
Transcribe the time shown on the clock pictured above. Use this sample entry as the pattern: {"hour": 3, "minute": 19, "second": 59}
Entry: {"hour": 11, "minute": 5, "second": 1}
